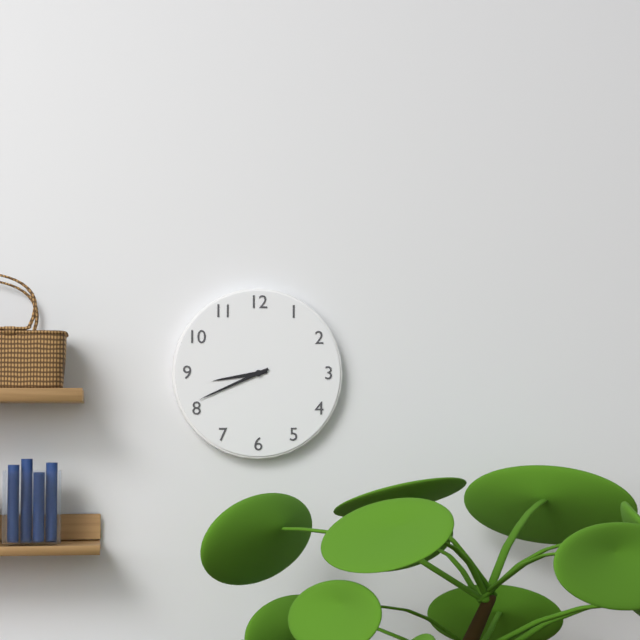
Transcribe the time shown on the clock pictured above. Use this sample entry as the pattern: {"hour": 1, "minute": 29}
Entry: {"hour": 8, "minute": 41}
